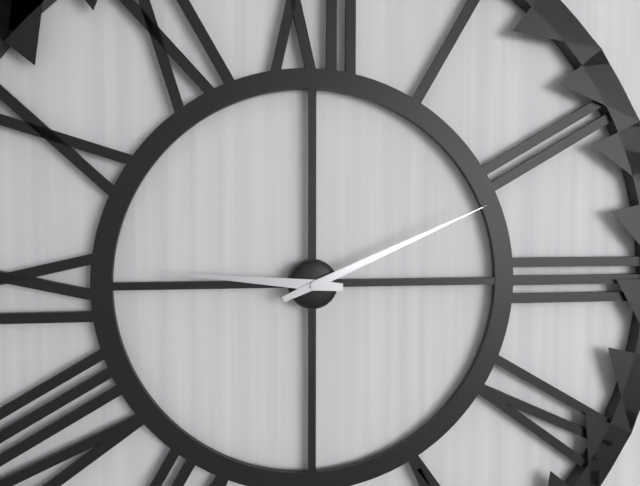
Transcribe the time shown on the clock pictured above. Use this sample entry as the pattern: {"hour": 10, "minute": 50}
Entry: {"hour": 9, "minute": 11}
